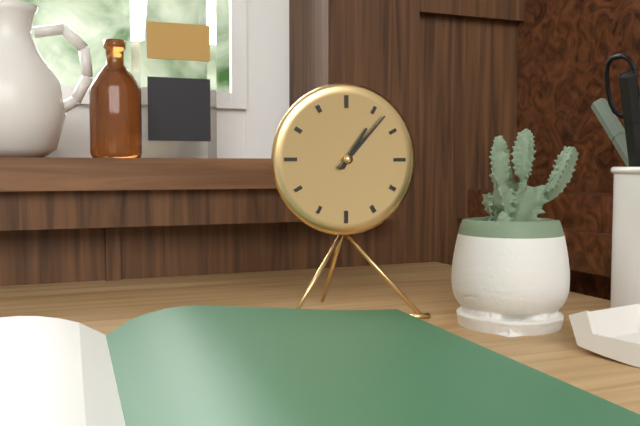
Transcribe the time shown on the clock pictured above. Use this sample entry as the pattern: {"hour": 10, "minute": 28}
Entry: {"hour": 1, "minute": 7}
